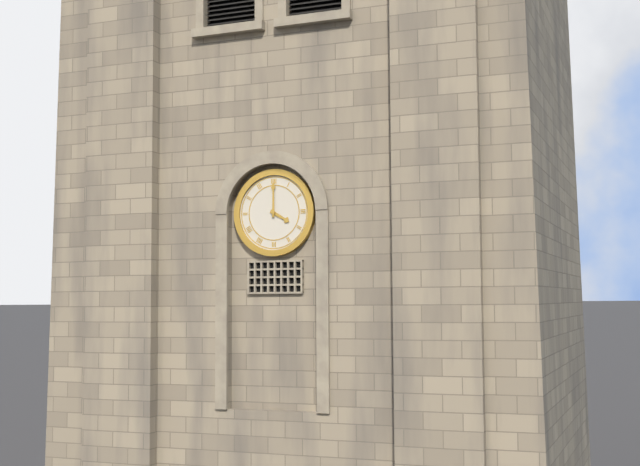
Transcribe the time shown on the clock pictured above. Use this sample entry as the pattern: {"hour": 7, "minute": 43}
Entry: {"hour": 4, "minute": 0}
